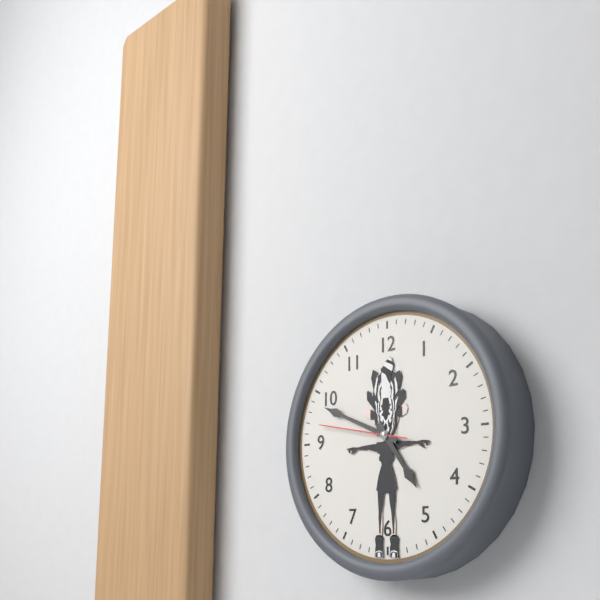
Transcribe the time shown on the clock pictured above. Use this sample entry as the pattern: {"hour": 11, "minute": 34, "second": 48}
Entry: {"hour": 4, "minute": 49, "second": 47}
